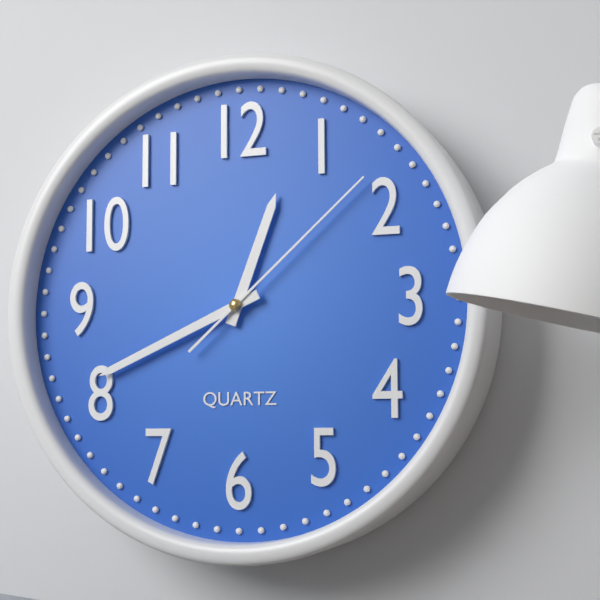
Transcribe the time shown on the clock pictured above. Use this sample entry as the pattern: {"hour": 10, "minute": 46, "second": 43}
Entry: {"hour": 12, "minute": 41, "second": 8}
